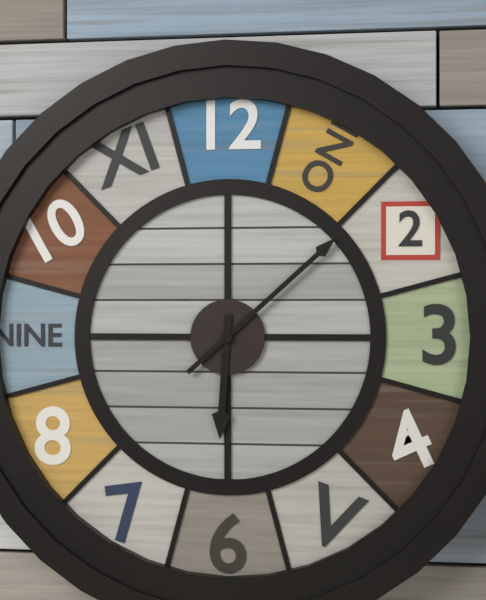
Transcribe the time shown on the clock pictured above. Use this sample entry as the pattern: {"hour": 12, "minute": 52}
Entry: {"hour": 6, "minute": 8}
